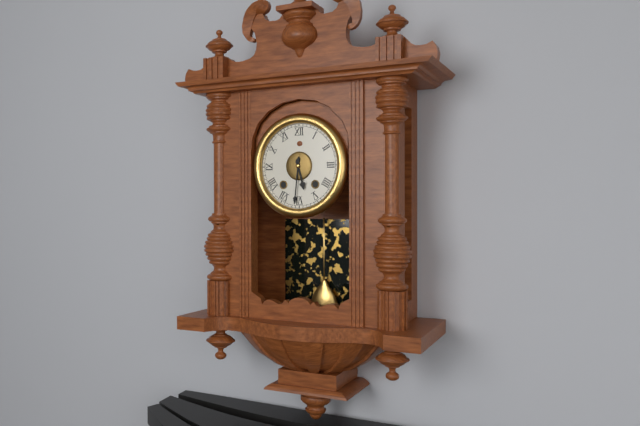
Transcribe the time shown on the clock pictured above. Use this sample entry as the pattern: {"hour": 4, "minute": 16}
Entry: {"hour": 5, "minute": 31}
